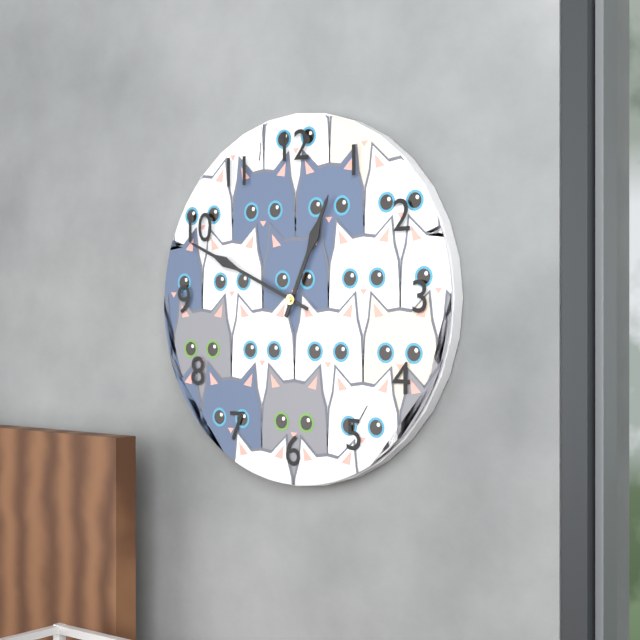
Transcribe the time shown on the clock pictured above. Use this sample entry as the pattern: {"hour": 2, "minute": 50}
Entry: {"hour": 12, "minute": 49}
